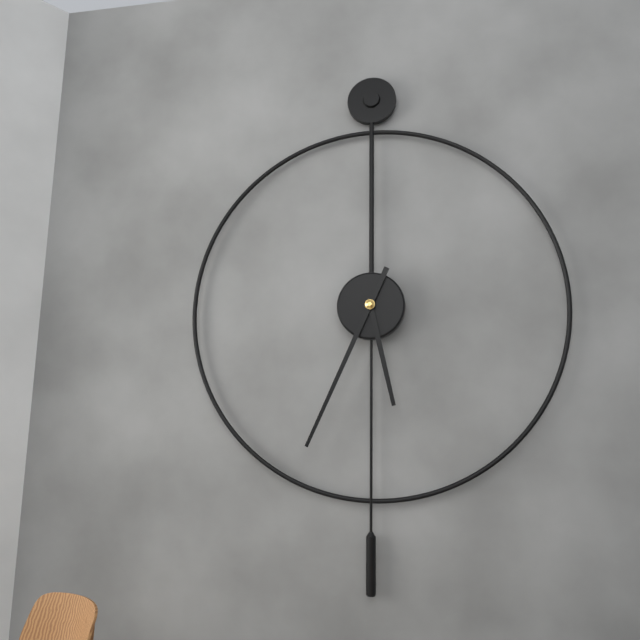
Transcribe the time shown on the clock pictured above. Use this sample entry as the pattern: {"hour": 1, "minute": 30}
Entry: {"hour": 5, "minute": 34}
